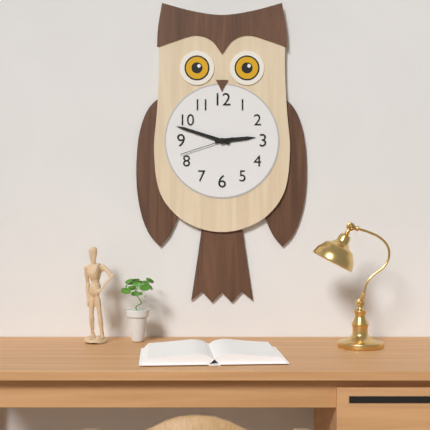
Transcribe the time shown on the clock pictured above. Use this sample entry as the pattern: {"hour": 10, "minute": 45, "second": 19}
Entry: {"hour": 2, "minute": 48, "second": 42}
